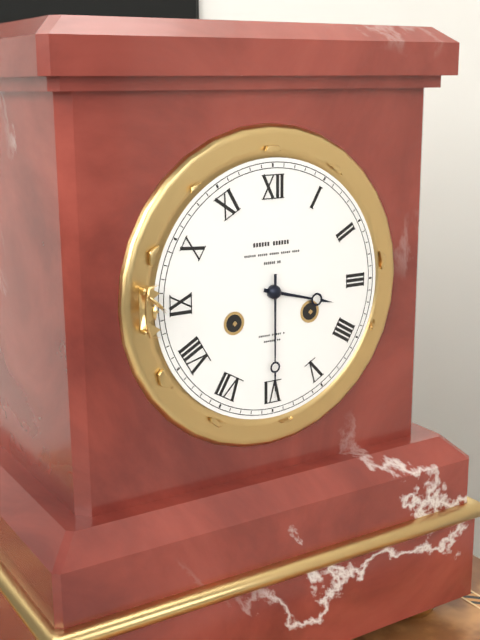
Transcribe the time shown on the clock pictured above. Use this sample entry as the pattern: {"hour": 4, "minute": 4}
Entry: {"hour": 3, "minute": 30}
